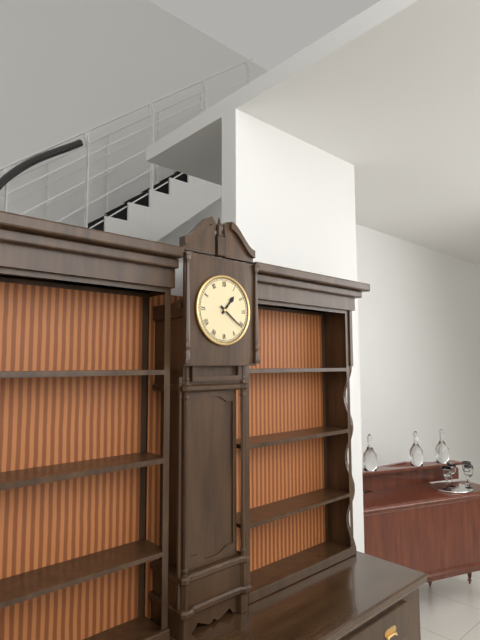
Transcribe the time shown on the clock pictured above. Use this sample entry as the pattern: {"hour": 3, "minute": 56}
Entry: {"hour": 1, "minute": 21}
